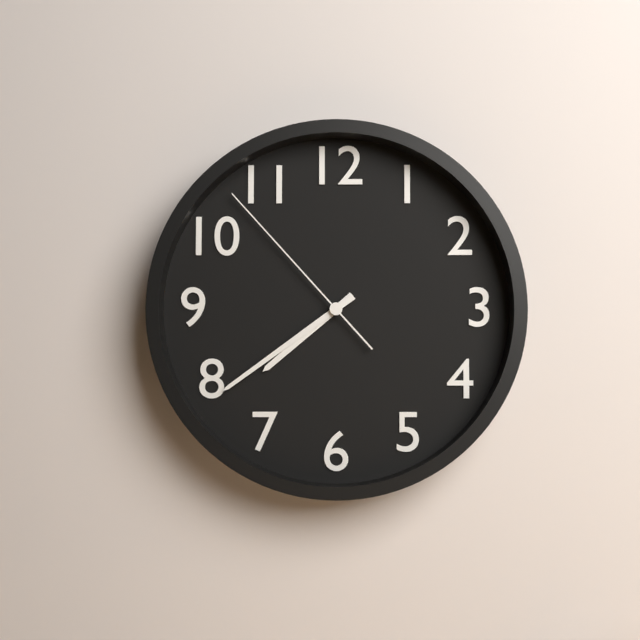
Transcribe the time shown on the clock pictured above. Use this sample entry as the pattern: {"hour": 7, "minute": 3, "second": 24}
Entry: {"hour": 7, "minute": 39, "second": 53}
